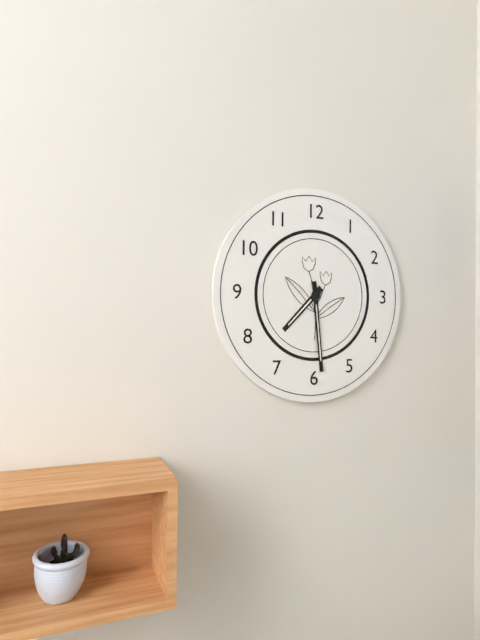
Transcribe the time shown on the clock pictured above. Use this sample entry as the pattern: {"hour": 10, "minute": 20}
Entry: {"hour": 7, "minute": 29}
